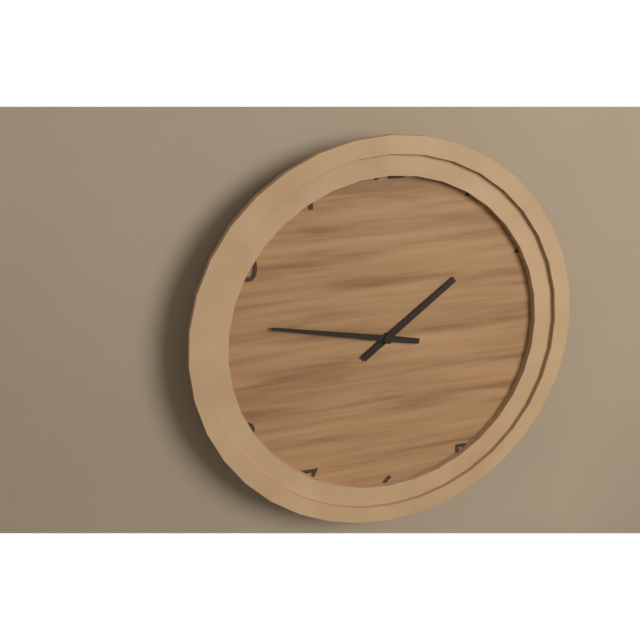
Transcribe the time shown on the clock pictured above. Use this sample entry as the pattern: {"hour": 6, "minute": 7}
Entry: {"hour": 1, "minute": 47}
